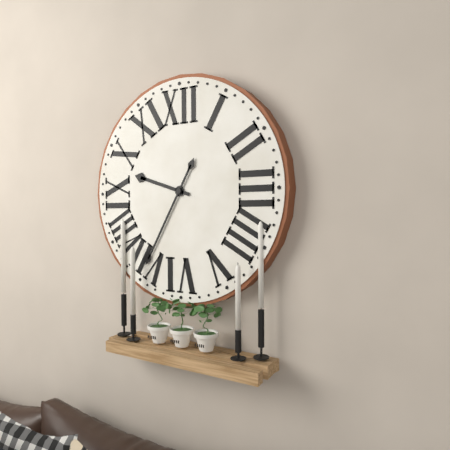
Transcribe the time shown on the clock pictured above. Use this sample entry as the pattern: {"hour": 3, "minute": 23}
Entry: {"hour": 9, "minute": 35}
